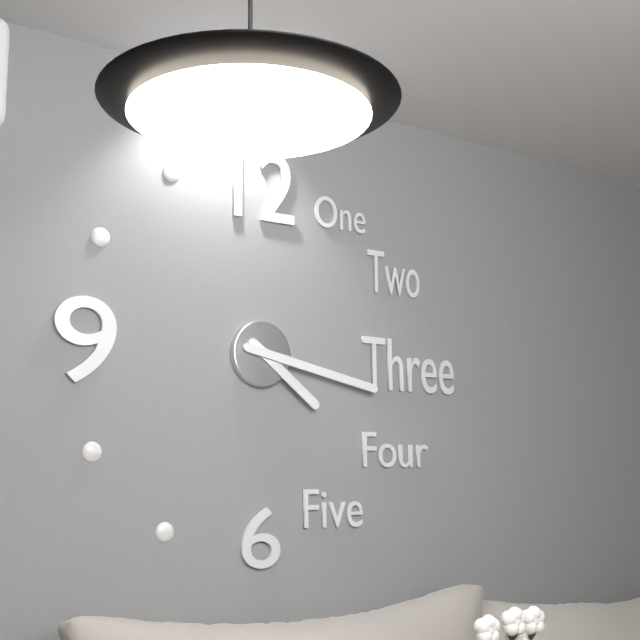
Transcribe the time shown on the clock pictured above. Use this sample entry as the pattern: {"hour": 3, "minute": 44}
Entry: {"hour": 4, "minute": 17}
